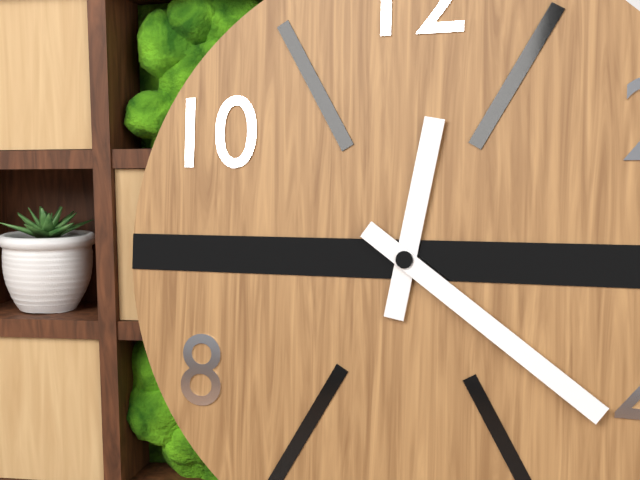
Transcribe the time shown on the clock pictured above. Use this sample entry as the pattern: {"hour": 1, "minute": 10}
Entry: {"hour": 12, "minute": 21}
